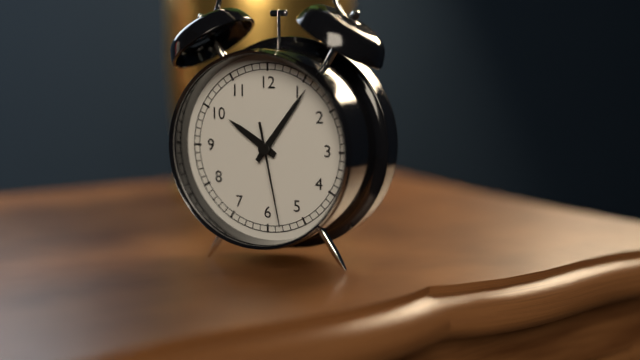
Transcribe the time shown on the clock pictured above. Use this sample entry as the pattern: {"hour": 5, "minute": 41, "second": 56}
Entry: {"hour": 10, "minute": 6, "second": 28}
